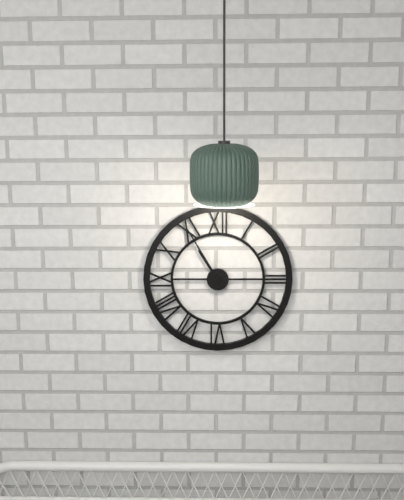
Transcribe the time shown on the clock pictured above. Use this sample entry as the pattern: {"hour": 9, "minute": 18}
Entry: {"hour": 10, "minute": 55}
